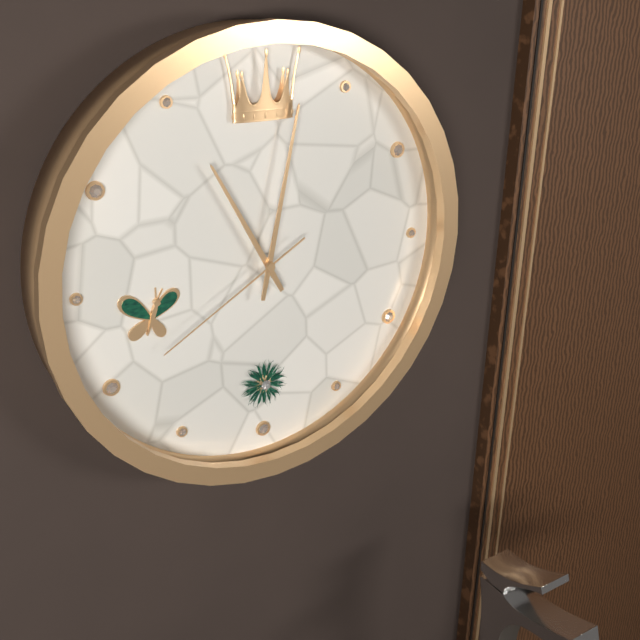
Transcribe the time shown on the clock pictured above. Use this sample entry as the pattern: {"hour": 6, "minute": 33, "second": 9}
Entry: {"hour": 11, "minute": 2, "second": 40}
